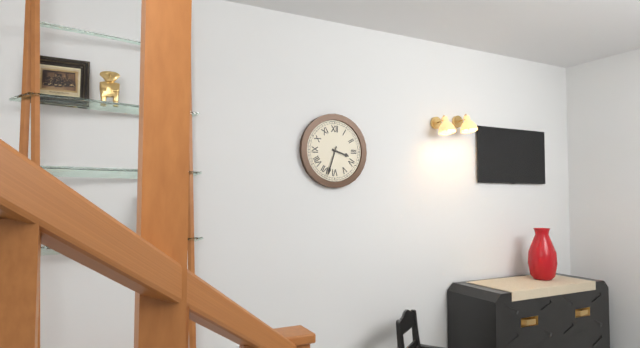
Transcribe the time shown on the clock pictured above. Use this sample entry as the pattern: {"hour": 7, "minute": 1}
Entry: {"hour": 3, "minute": 33}
